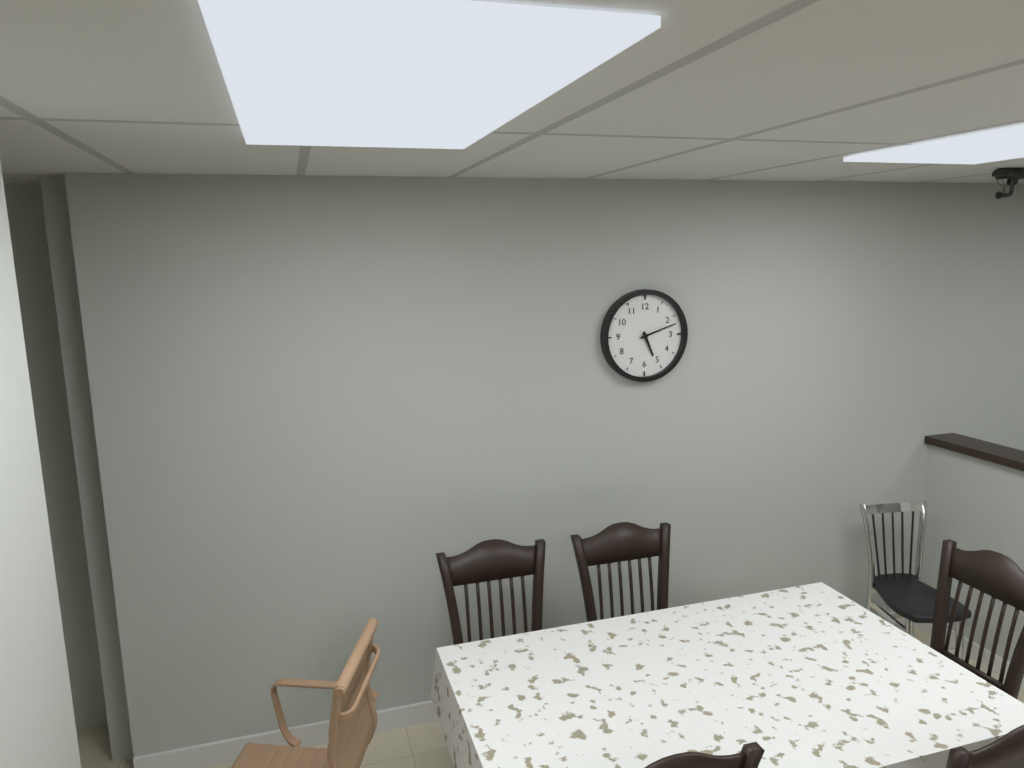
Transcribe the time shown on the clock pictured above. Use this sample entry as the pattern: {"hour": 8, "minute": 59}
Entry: {"hour": 5, "minute": 12}
